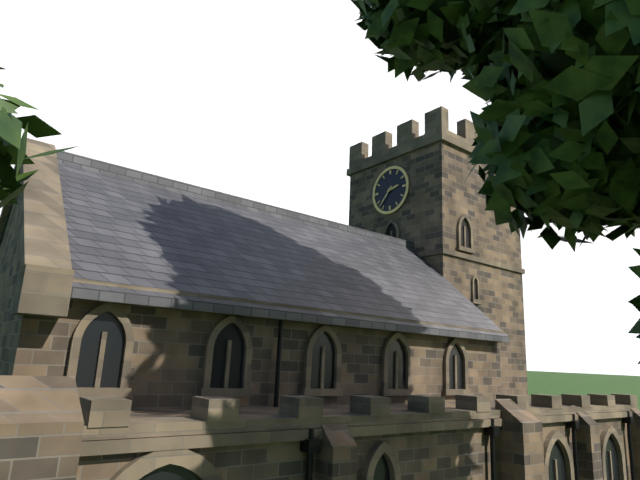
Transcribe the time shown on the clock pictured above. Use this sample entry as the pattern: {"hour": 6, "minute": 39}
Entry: {"hour": 2, "minute": 37}
